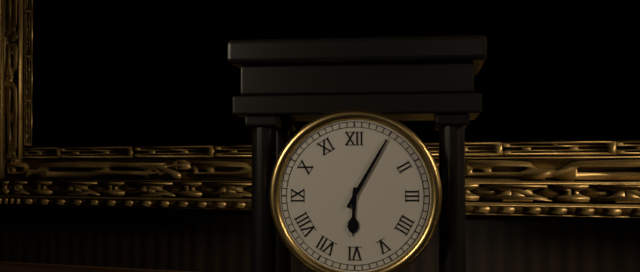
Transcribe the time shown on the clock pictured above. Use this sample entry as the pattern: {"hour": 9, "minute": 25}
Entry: {"hour": 6, "minute": 5}
